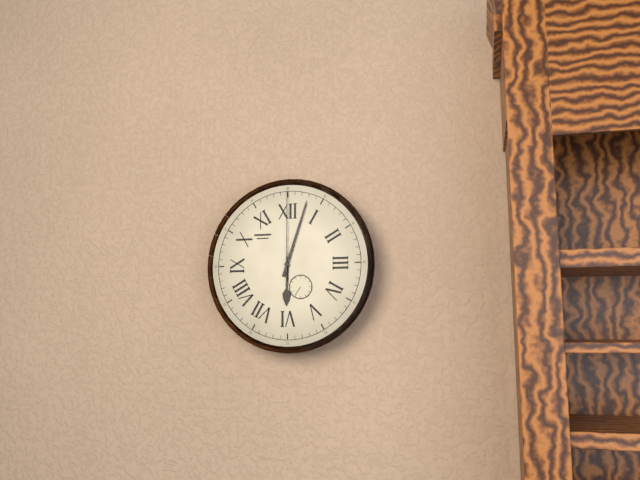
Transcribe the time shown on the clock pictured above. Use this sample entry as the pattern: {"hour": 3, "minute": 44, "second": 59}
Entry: {"hour": 6, "minute": 3, "second": 0}
